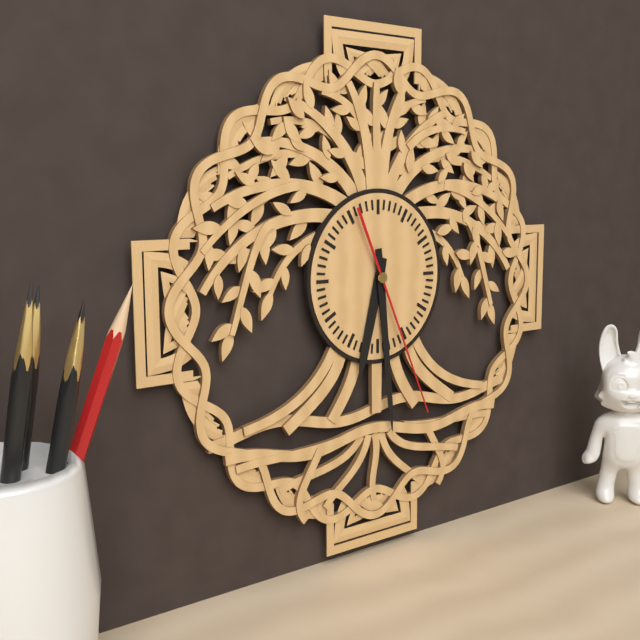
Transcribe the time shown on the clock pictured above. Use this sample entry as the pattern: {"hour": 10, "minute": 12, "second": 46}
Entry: {"hour": 6, "minute": 29, "second": 26}
